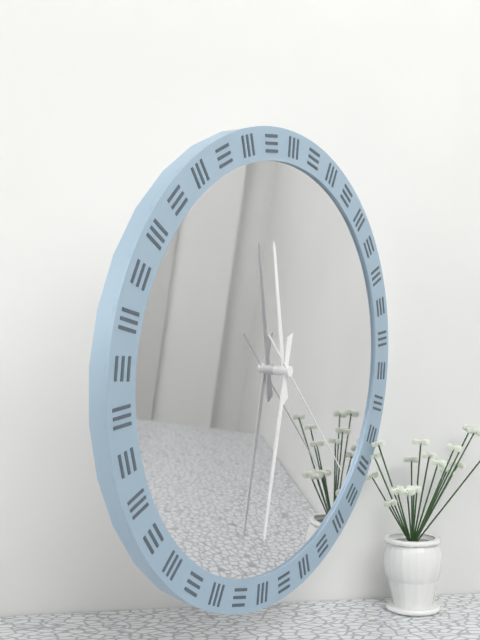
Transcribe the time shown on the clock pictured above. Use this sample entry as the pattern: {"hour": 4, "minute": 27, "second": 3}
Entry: {"hour": 11, "minute": 31, "second": 22}
